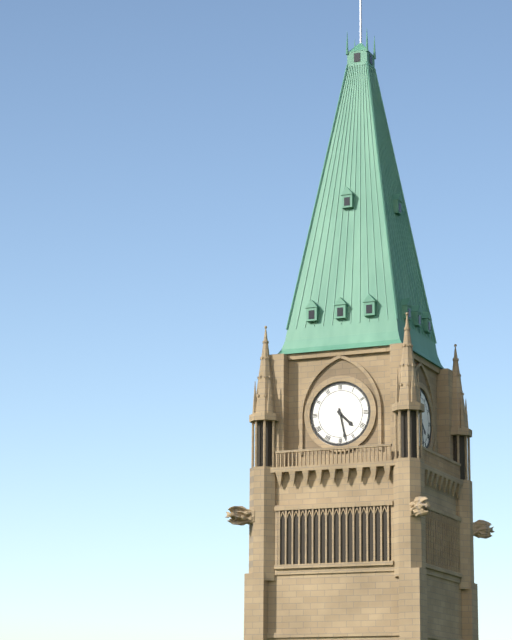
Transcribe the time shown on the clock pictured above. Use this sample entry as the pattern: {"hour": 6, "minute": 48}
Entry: {"hour": 4, "minute": 28}
